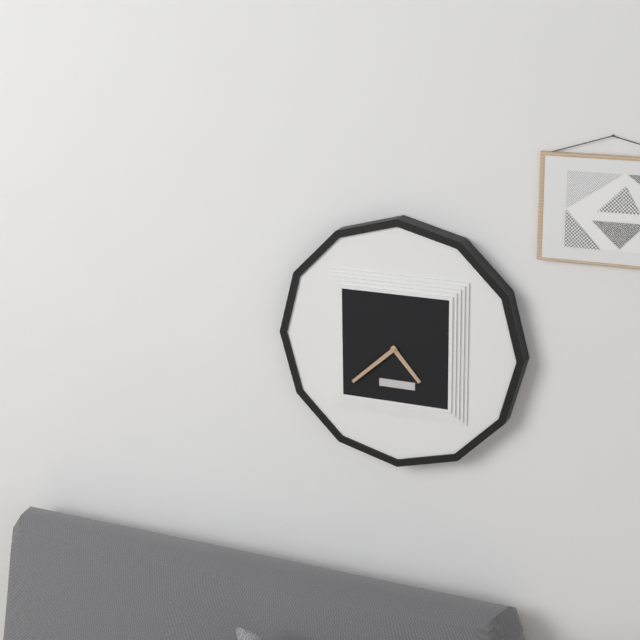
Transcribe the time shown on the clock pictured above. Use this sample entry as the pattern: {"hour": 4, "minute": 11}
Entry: {"hour": 4, "minute": 38}
